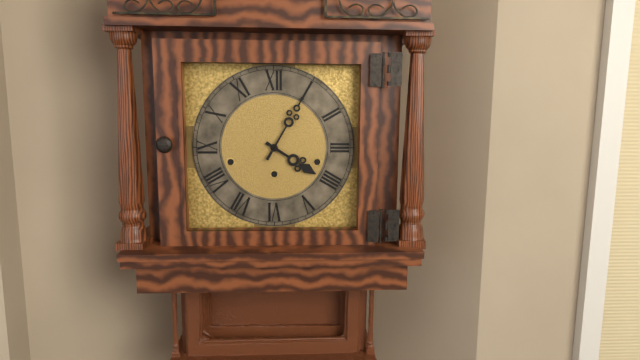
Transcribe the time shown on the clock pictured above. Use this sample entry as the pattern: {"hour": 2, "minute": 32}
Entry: {"hour": 4, "minute": 5}
